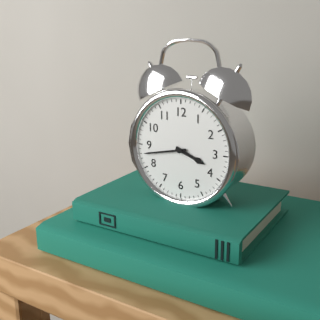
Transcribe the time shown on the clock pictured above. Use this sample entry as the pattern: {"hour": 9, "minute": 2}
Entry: {"hour": 3, "minute": 43}
